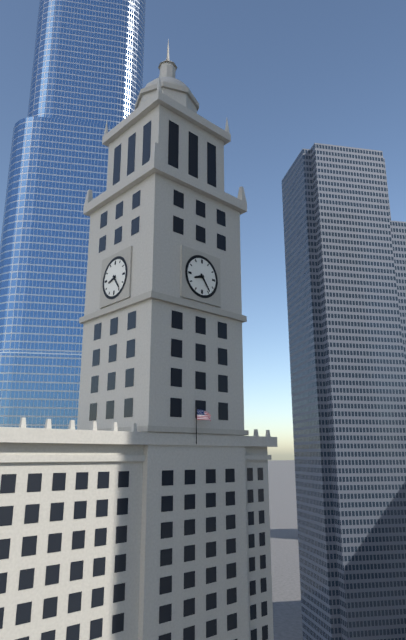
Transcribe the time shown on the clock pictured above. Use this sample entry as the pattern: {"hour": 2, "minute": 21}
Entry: {"hour": 8, "minute": 24}
